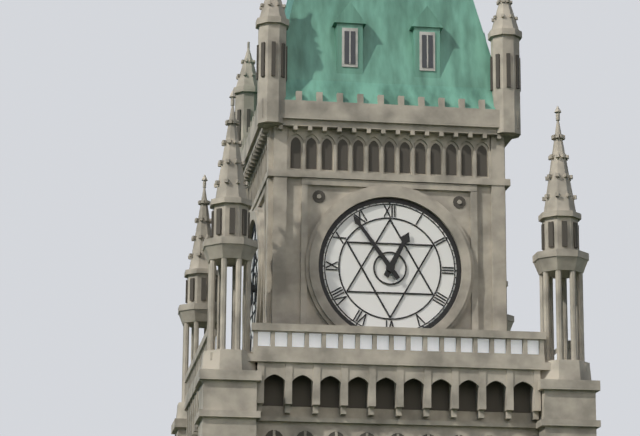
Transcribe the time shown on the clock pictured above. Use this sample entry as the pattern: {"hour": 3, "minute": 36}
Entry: {"hour": 12, "minute": 54}
